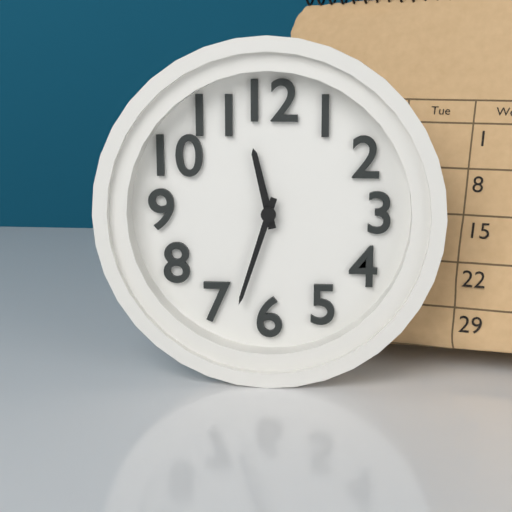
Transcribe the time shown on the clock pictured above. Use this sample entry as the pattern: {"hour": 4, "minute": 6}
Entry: {"hour": 11, "minute": 33}
